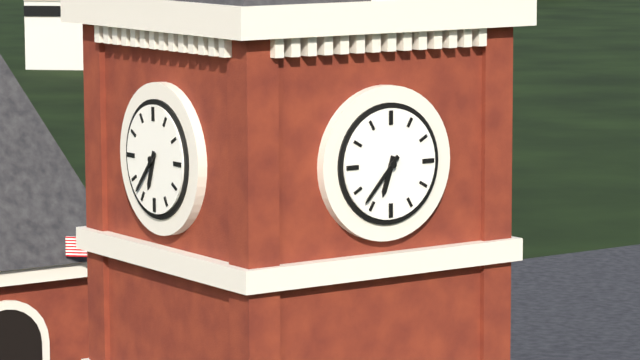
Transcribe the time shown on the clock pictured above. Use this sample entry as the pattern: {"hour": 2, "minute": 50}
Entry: {"hour": 6, "minute": 37}
